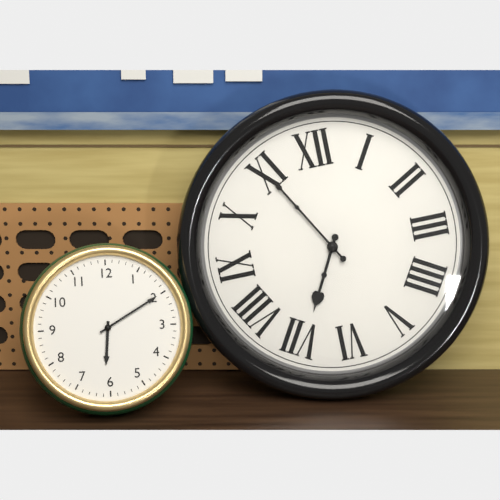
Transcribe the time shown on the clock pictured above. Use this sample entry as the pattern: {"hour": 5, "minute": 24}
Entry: {"hour": 6, "minute": 55}
